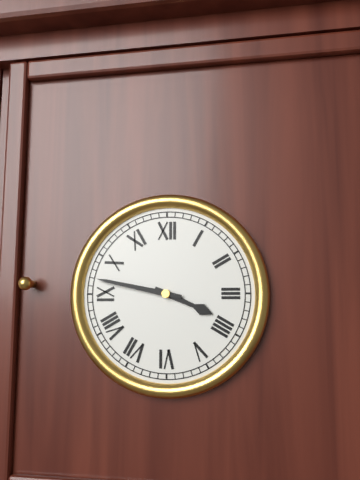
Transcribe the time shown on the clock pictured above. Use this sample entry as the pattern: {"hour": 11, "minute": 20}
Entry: {"hour": 3, "minute": 47}
